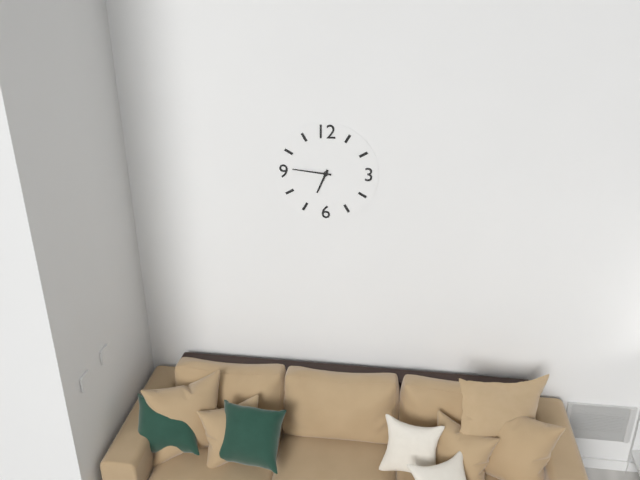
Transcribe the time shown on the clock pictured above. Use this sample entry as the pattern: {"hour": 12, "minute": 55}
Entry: {"hour": 6, "minute": 46}
